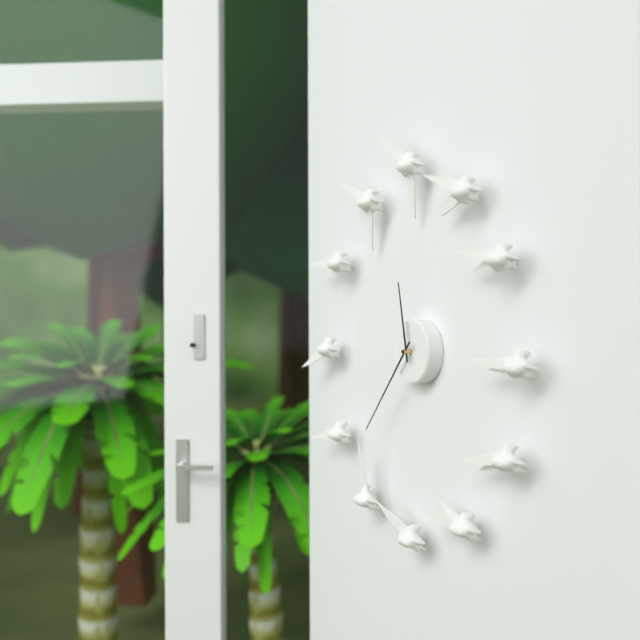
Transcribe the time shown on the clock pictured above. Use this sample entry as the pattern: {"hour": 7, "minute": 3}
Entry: {"hour": 11, "minute": 37}
